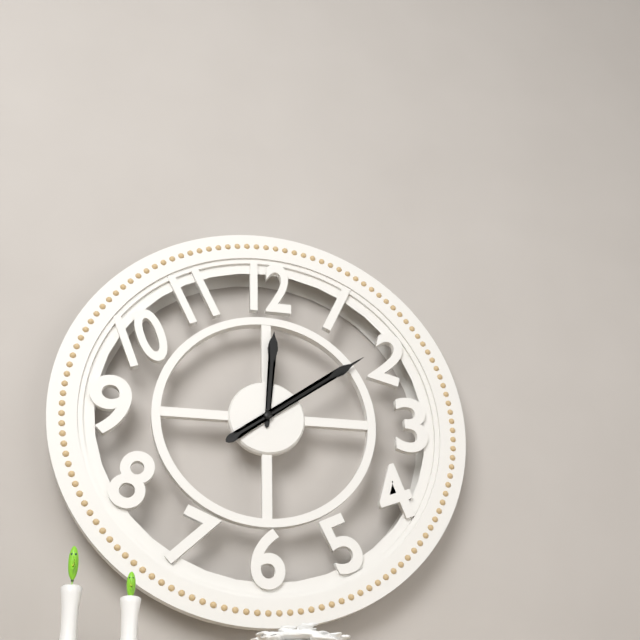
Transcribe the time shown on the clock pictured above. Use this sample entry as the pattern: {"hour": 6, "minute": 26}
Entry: {"hour": 12, "minute": 9}
